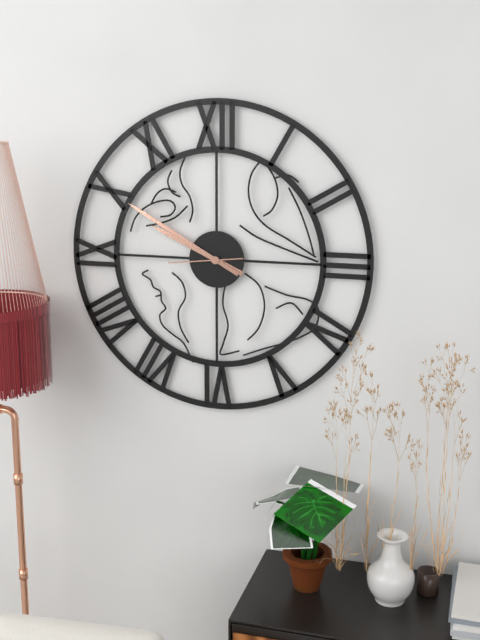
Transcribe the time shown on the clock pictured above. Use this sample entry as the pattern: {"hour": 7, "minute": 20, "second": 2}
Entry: {"hour": 9, "minute": 50, "second": 44}
